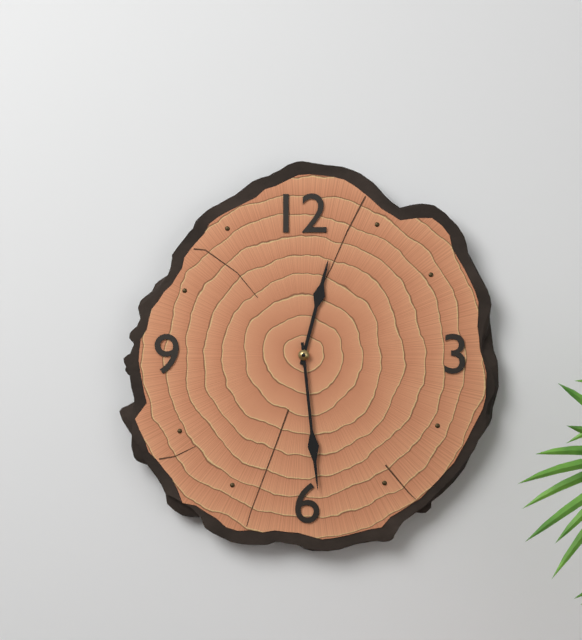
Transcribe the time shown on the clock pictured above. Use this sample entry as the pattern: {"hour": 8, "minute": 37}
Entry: {"hour": 12, "minute": 29}
